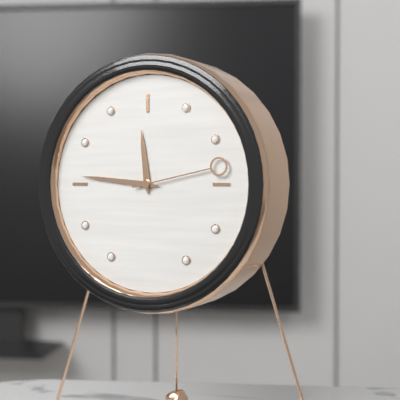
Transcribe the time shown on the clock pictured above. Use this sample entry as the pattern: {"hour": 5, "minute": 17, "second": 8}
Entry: {"hour": 11, "minute": 46, "second": 13}
